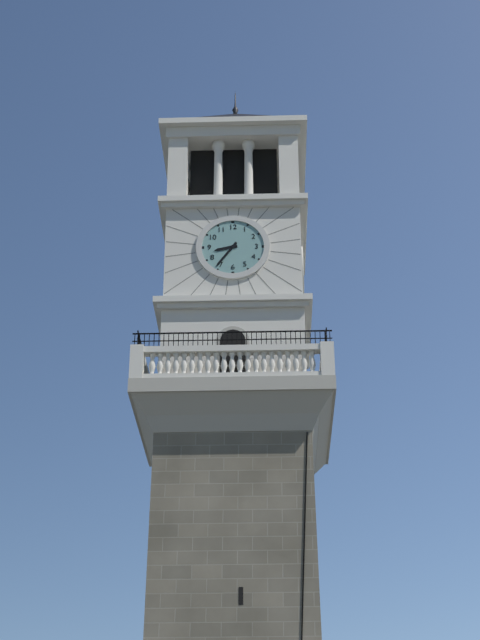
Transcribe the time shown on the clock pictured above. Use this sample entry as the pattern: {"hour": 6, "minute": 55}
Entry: {"hour": 8, "minute": 36}
